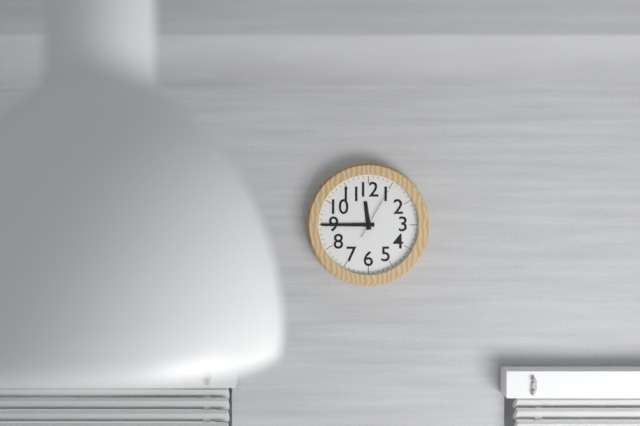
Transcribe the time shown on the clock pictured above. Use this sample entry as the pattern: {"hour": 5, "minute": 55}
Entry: {"hour": 11, "minute": 45}
